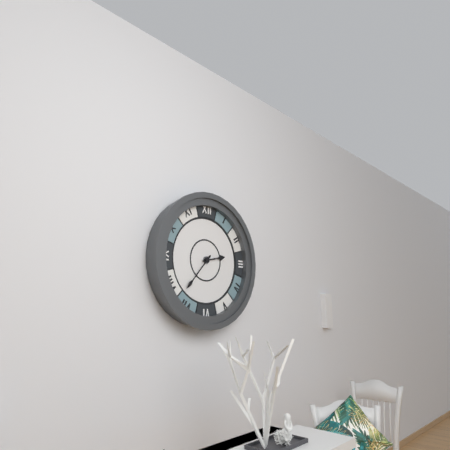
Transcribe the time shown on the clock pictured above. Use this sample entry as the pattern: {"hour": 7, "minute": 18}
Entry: {"hour": 2, "minute": 37}
